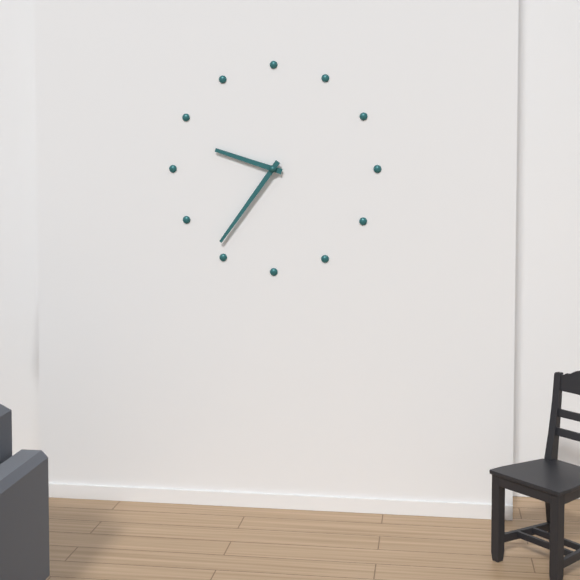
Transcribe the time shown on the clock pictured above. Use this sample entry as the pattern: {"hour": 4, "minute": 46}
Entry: {"hour": 9, "minute": 36}
